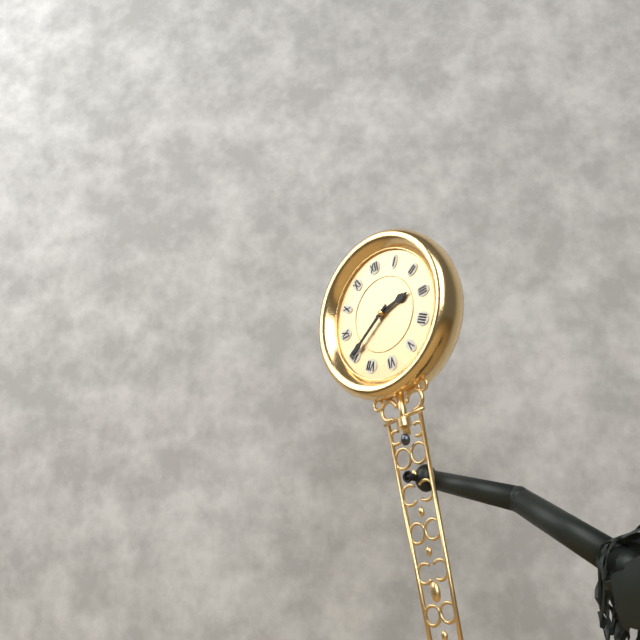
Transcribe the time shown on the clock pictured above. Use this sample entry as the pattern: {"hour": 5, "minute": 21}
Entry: {"hour": 2, "minute": 40}
